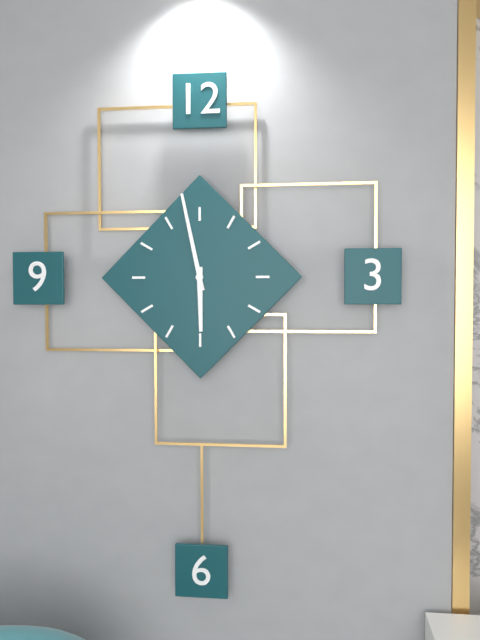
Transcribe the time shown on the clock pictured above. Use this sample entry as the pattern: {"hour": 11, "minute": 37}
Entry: {"hour": 5, "minute": 58}
